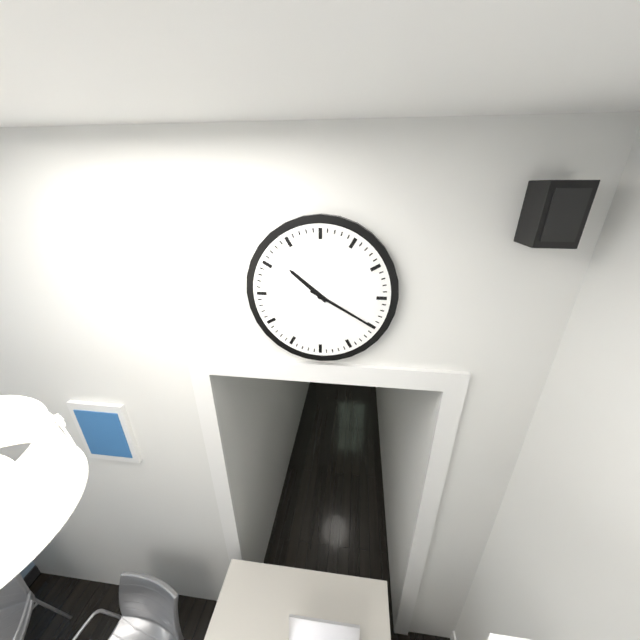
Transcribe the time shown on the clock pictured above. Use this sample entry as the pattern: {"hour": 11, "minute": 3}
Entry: {"hour": 10, "minute": 20}
